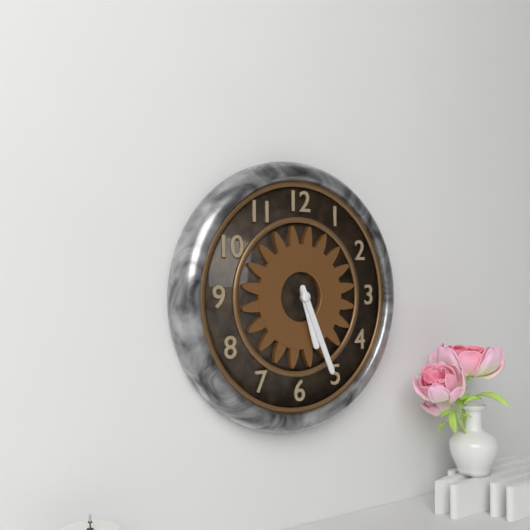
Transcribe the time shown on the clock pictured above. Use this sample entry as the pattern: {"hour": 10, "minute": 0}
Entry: {"hour": 5, "minute": 26}
